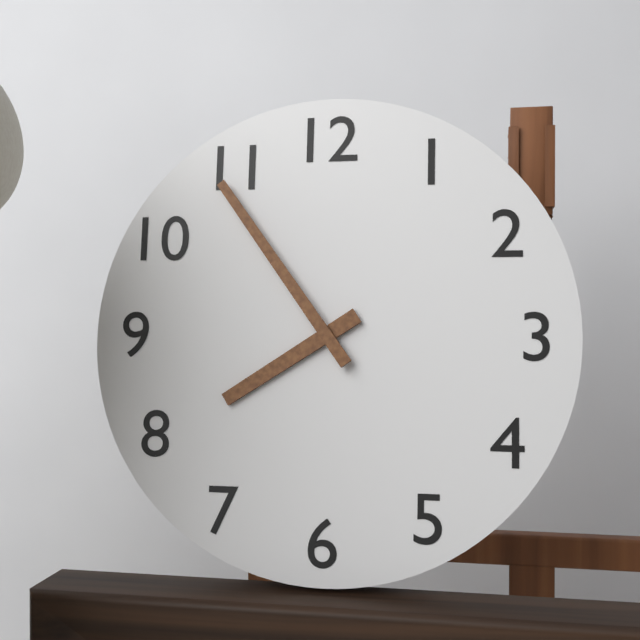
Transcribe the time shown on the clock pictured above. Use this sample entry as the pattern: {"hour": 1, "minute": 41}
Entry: {"hour": 7, "minute": 54}
